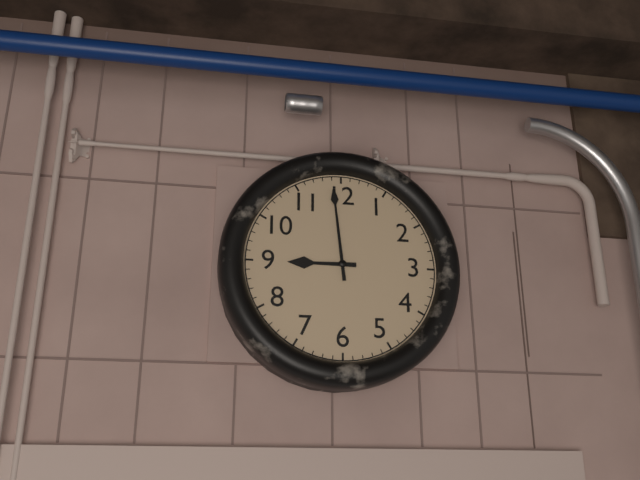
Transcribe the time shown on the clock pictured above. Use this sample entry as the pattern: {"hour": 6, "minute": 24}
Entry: {"hour": 8, "minute": 59}
